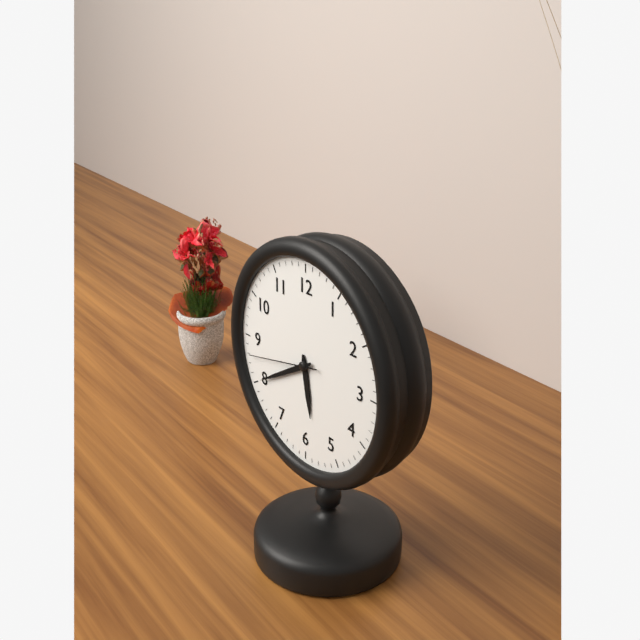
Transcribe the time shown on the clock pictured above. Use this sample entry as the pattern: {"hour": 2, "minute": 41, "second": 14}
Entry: {"hour": 5, "minute": 40, "second": 43}
